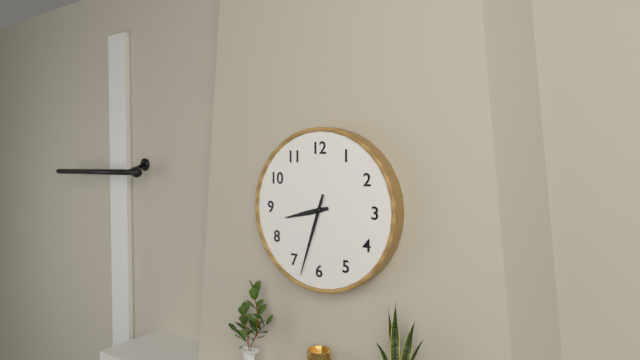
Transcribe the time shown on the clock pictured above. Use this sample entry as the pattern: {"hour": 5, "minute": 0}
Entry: {"hour": 8, "minute": 33}
